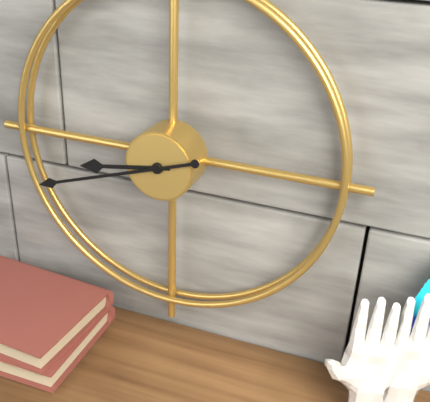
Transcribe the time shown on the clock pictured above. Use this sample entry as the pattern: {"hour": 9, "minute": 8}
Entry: {"hour": 8, "minute": 42}
